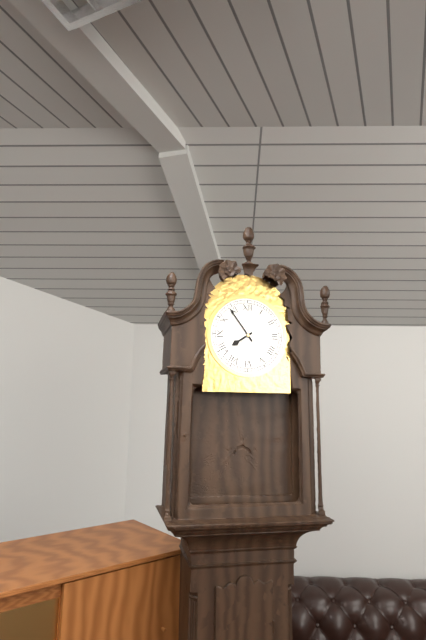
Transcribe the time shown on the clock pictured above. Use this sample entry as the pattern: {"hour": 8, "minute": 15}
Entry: {"hour": 7, "minute": 54}
